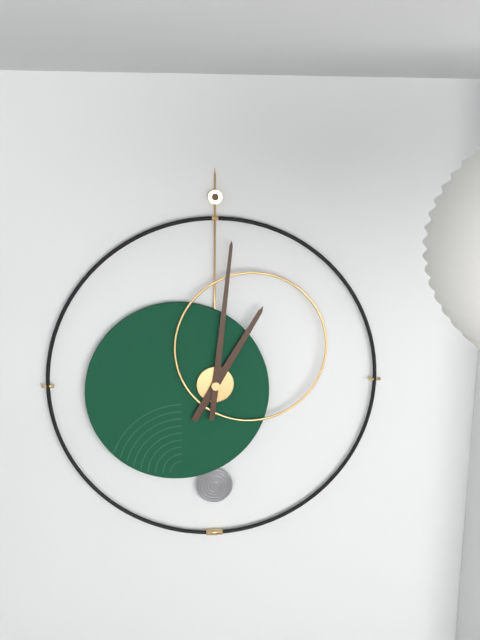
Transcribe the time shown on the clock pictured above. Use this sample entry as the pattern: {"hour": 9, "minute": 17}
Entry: {"hour": 1, "minute": 1}
